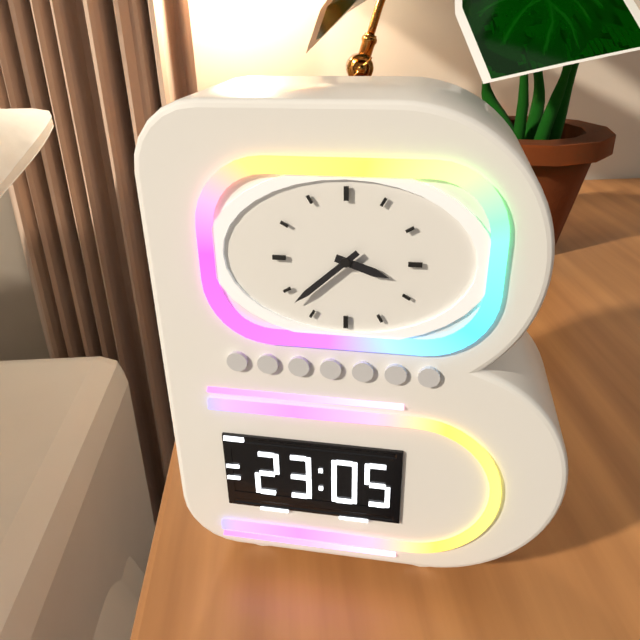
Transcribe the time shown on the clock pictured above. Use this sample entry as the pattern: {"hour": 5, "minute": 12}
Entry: {"hour": 3, "minute": 38}
